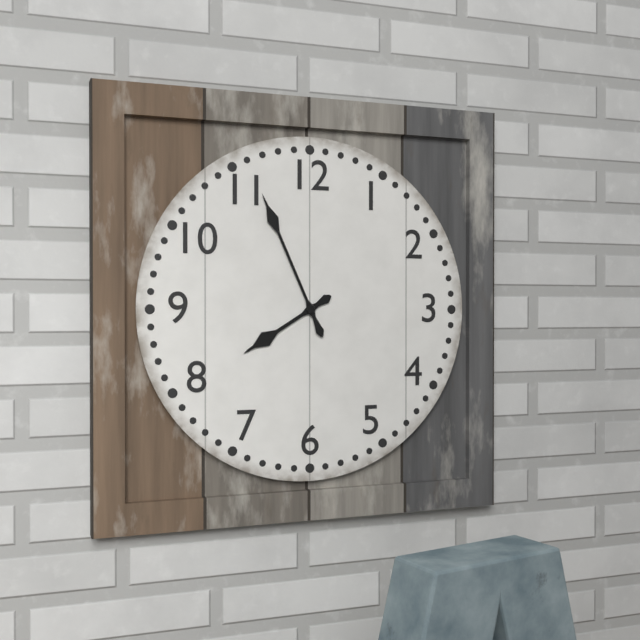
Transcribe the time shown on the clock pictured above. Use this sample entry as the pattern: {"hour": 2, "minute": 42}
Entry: {"hour": 7, "minute": 56}
